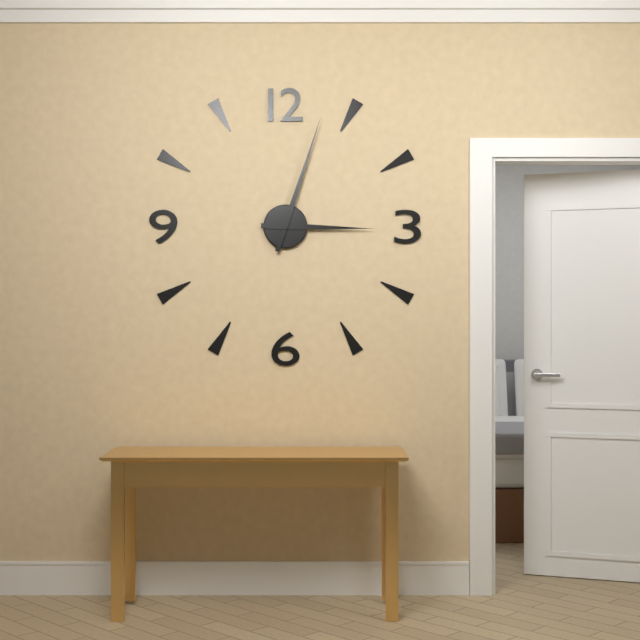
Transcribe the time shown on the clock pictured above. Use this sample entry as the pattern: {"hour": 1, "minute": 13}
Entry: {"hour": 3, "minute": 3}
